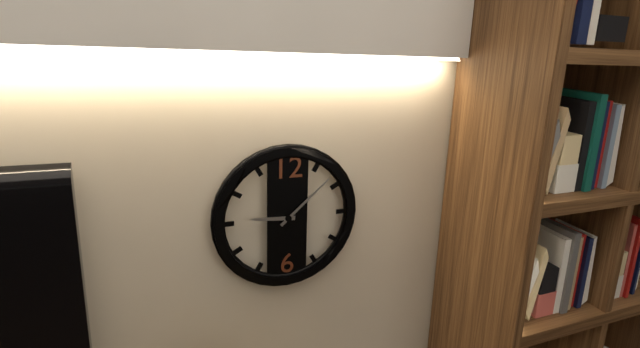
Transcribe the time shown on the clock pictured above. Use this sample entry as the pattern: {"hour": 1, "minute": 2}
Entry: {"hour": 9, "minute": 8}
